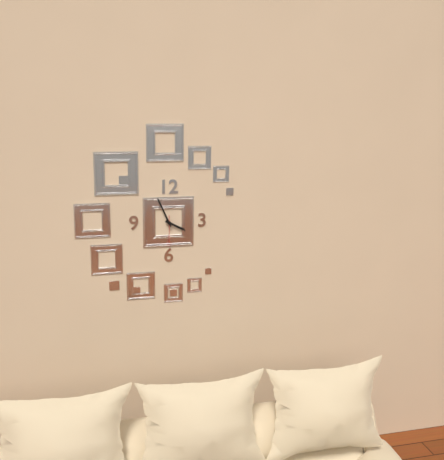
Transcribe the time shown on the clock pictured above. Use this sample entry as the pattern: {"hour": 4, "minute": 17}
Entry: {"hour": 3, "minute": 56}
